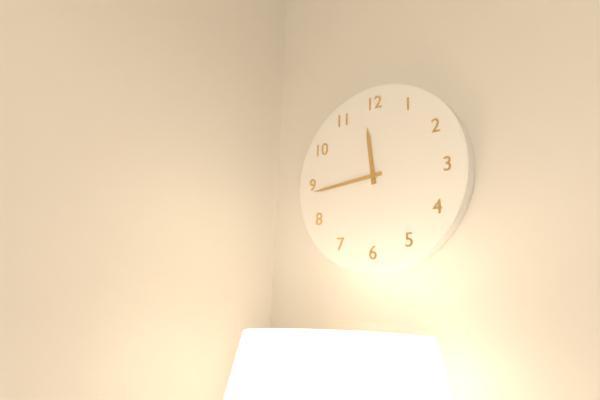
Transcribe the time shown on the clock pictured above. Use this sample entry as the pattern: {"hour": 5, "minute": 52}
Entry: {"hour": 11, "minute": 44}
